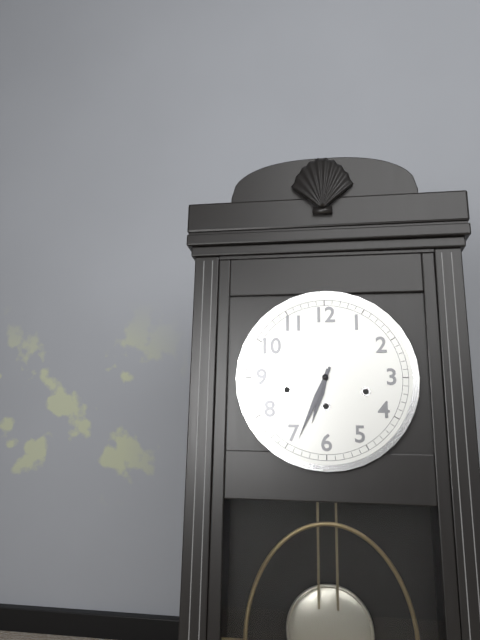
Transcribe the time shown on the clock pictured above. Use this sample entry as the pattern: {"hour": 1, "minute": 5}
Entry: {"hour": 6, "minute": 34}
